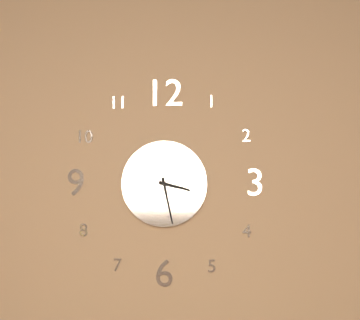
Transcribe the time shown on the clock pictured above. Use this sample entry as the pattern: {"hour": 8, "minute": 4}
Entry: {"hour": 3, "minute": 28}
